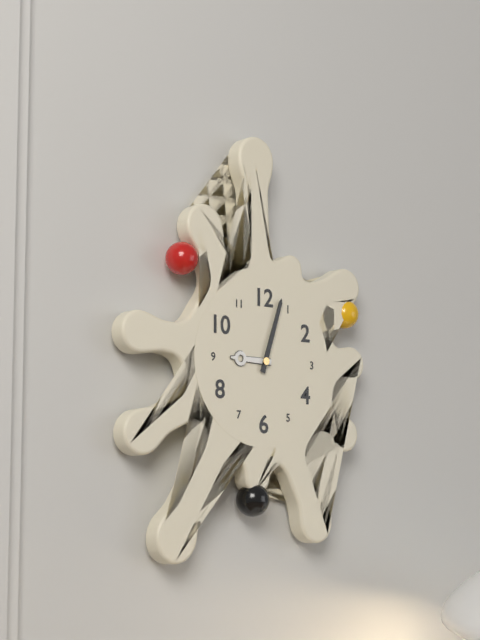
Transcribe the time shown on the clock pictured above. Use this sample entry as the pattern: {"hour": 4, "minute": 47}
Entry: {"hour": 9, "minute": 3}
